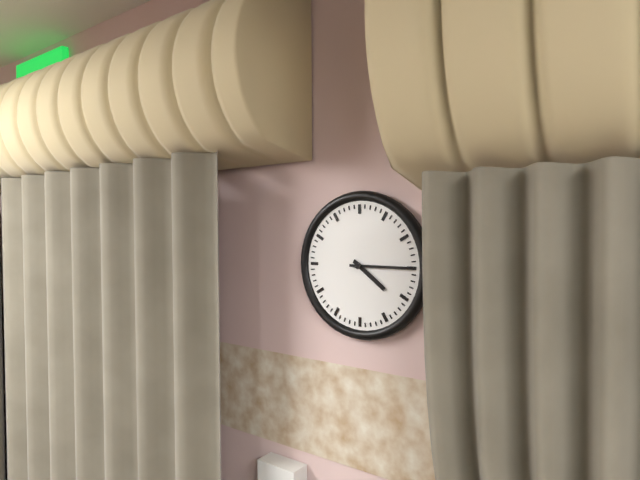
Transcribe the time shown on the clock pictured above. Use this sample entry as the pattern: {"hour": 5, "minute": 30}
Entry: {"hour": 4, "minute": 15}
